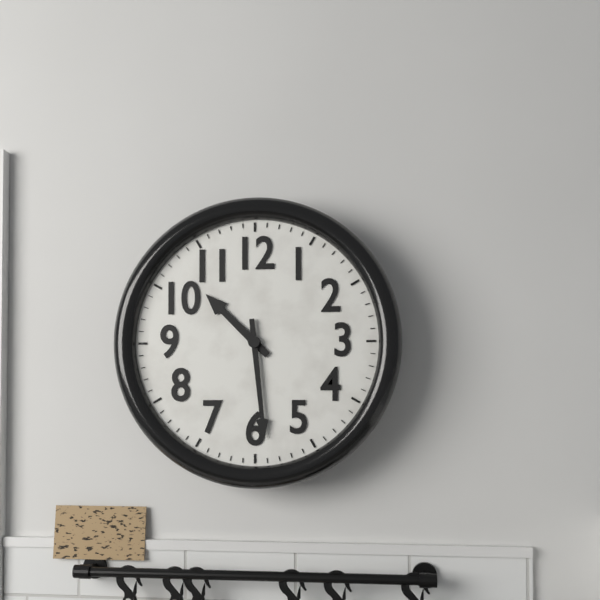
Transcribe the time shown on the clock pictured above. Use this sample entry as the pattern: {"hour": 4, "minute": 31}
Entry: {"hour": 10, "minute": 29}
